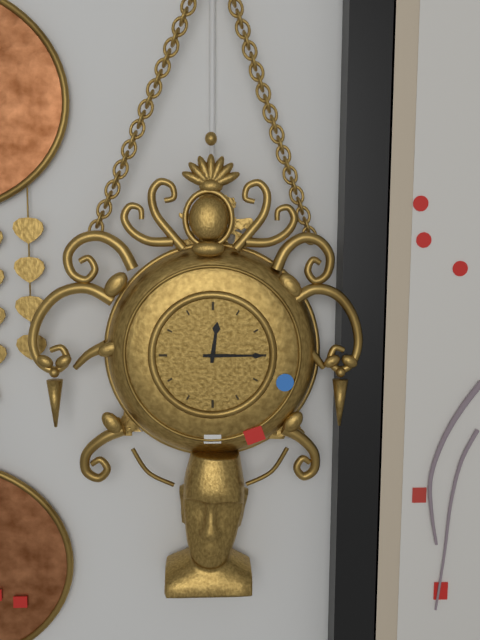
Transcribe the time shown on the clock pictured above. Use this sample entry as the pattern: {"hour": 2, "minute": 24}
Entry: {"hour": 12, "minute": 15}
